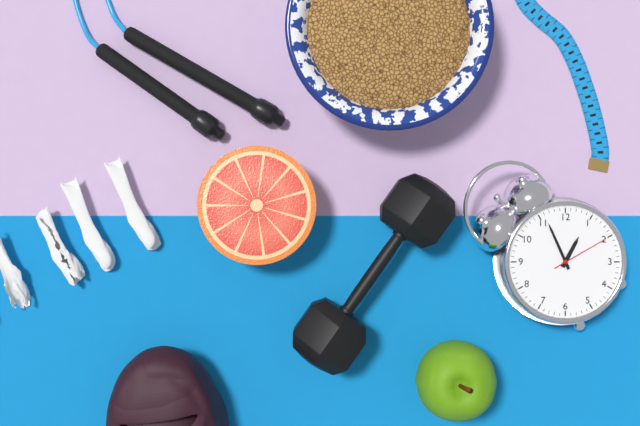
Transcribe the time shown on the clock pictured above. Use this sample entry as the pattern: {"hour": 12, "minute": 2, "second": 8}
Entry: {"hour": 12, "minute": 56, "second": 10}
